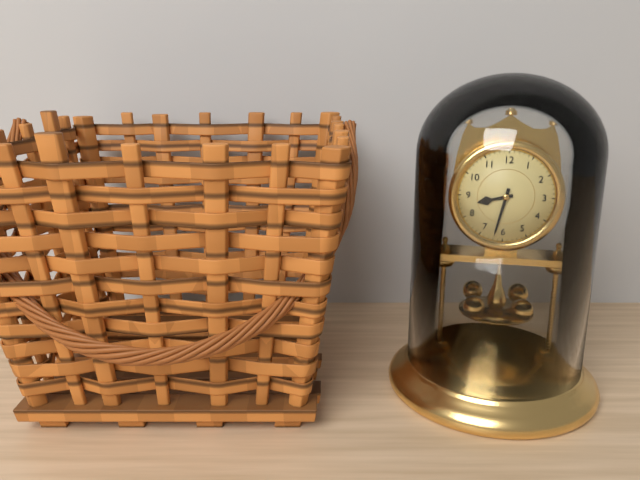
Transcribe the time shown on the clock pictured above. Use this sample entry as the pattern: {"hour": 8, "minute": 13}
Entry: {"hour": 8, "minute": 32}
